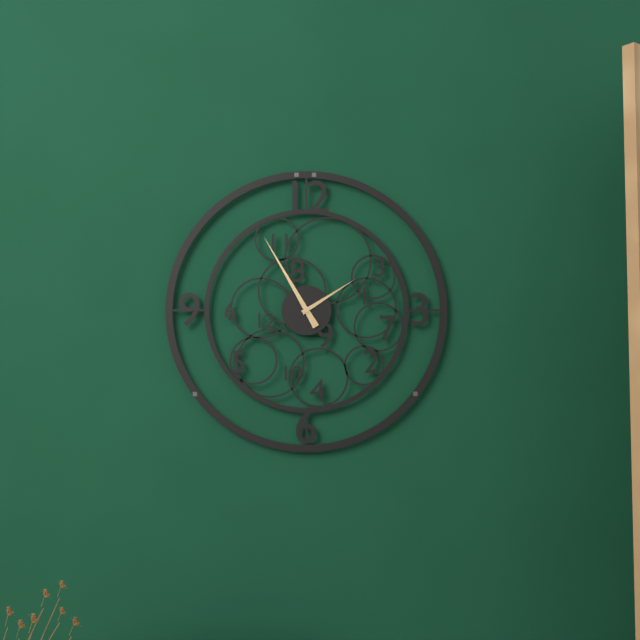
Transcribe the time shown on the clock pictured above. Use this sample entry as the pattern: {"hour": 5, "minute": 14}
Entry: {"hour": 1, "minute": 55}
